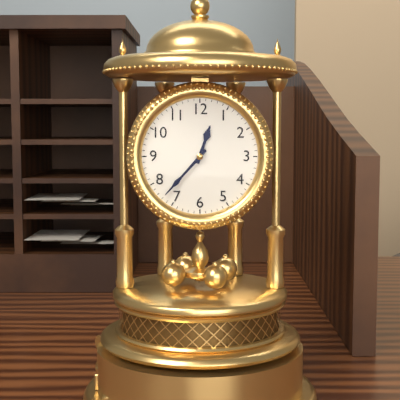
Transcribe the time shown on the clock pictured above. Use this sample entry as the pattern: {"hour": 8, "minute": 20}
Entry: {"hour": 12, "minute": 37}
